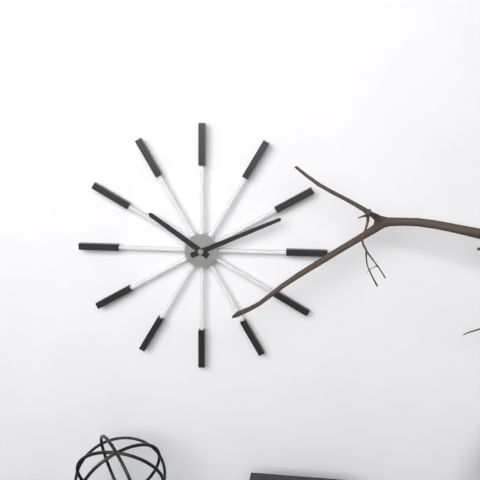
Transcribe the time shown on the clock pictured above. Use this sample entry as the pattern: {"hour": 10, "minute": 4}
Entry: {"hour": 10, "minute": 11}
